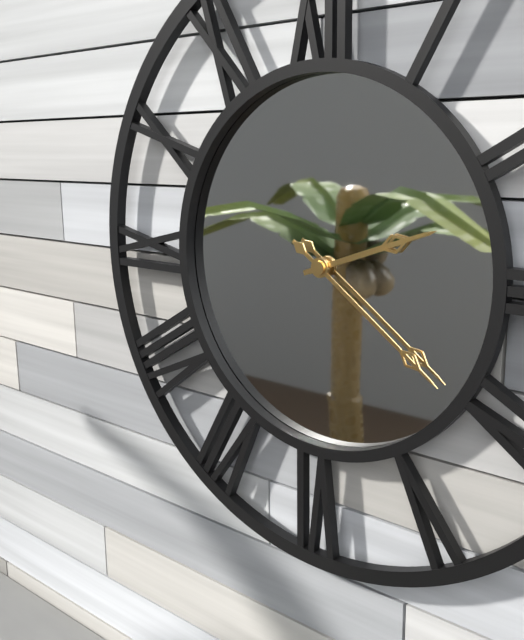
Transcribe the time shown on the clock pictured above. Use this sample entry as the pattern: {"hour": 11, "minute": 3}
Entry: {"hour": 2, "minute": 21}
